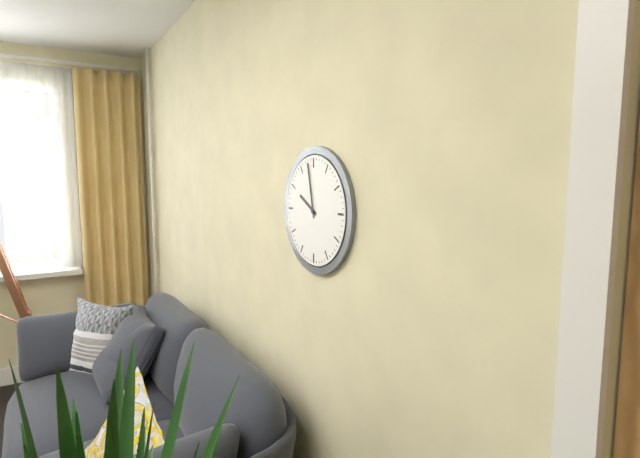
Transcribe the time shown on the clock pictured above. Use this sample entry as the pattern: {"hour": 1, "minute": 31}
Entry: {"hour": 9, "minute": 58}
